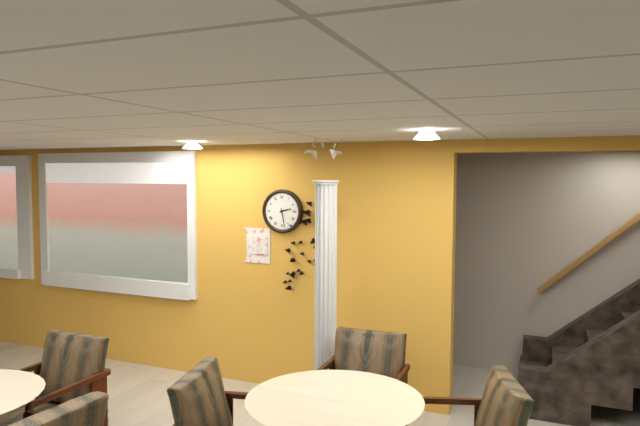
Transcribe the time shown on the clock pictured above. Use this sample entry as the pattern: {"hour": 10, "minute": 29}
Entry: {"hour": 2, "minute": 28}
